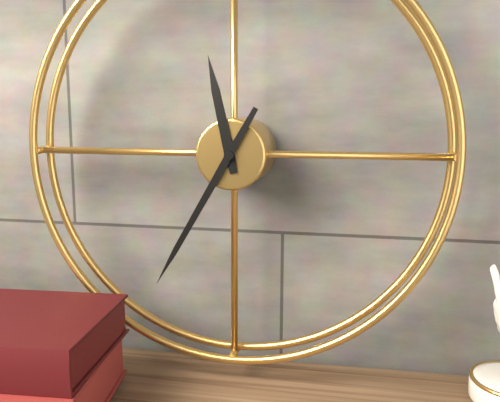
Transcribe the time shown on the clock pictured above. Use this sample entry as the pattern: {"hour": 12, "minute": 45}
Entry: {"hour": 11, "minute": 35}
